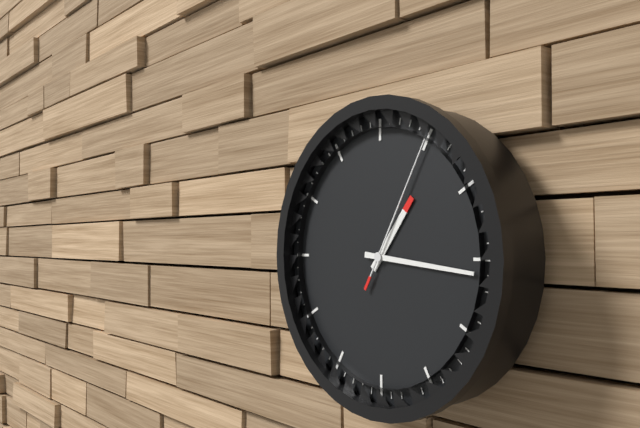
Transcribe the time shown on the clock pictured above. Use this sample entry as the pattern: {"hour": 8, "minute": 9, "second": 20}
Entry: {"hour": 1, "minute": 16, "second": 5}
